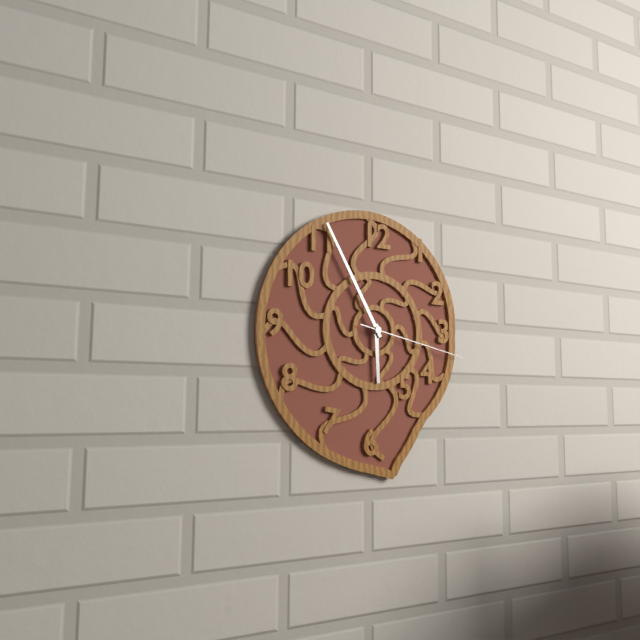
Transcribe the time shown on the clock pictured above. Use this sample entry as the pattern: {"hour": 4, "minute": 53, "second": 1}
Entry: {"hour": 5, "minute": 55, "second": 17}
